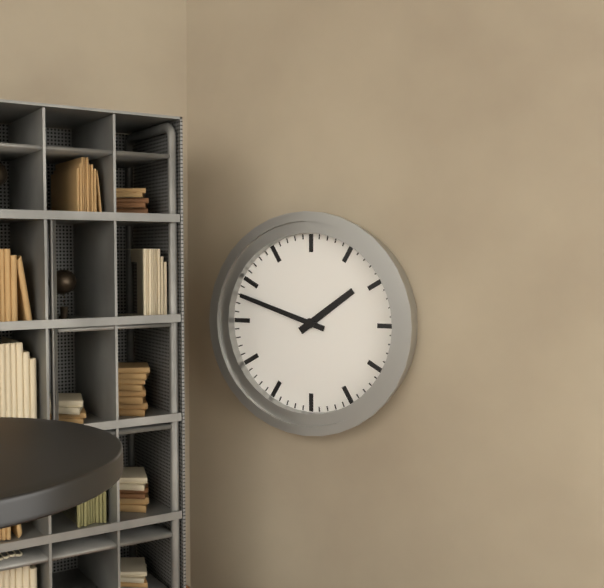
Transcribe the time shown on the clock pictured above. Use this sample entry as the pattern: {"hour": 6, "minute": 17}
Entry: {"hour": 1, "minute": 48}
